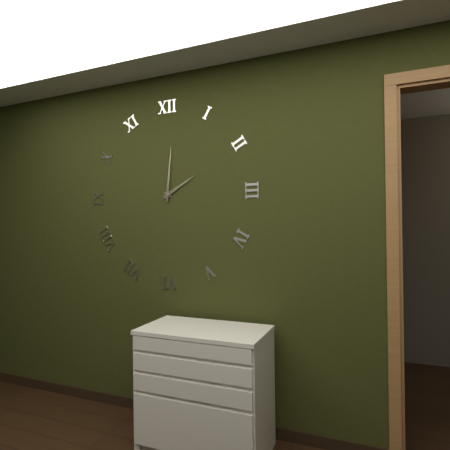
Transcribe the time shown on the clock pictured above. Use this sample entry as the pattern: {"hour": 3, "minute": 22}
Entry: {"hour": 2, "minute": 1}
